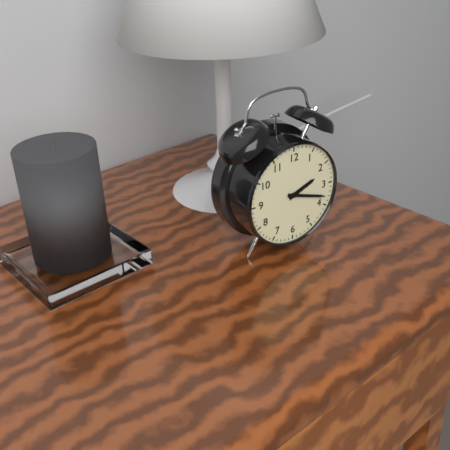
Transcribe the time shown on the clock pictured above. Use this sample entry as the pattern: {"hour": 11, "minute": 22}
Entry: {"hour": 2, "minute": 18}
